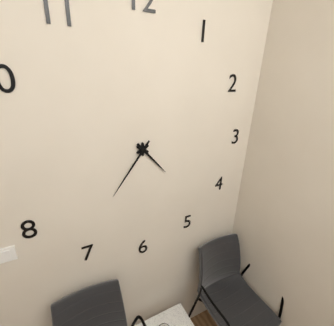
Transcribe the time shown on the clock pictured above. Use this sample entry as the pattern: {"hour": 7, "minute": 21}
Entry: {"hour": 4, "minute": 36}
